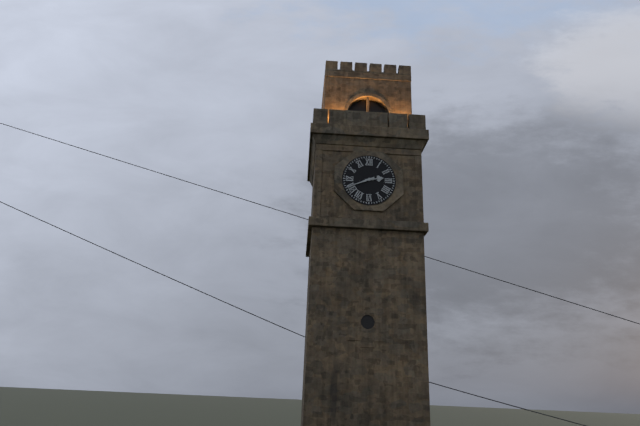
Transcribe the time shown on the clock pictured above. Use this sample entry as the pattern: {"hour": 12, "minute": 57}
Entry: {"hour": 2, "minute": 41}
